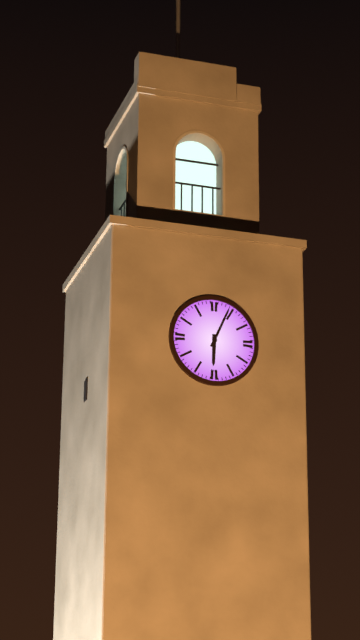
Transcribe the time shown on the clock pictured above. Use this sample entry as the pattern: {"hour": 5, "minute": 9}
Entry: {"hour": 6, "minute": 4}
